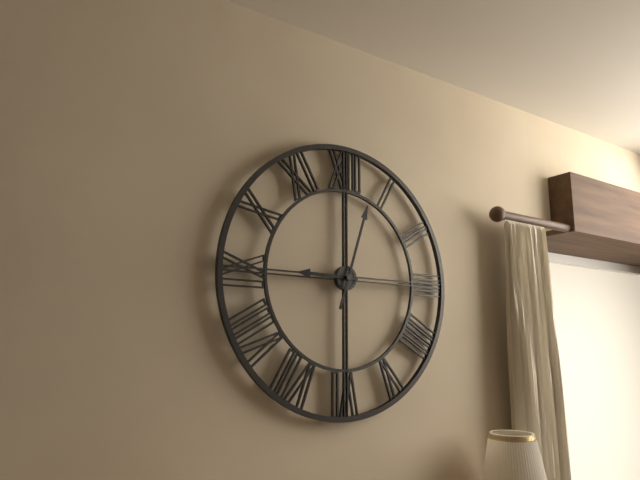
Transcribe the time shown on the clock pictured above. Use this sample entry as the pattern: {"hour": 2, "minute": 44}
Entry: {"hour": 9, "minute": 3}
